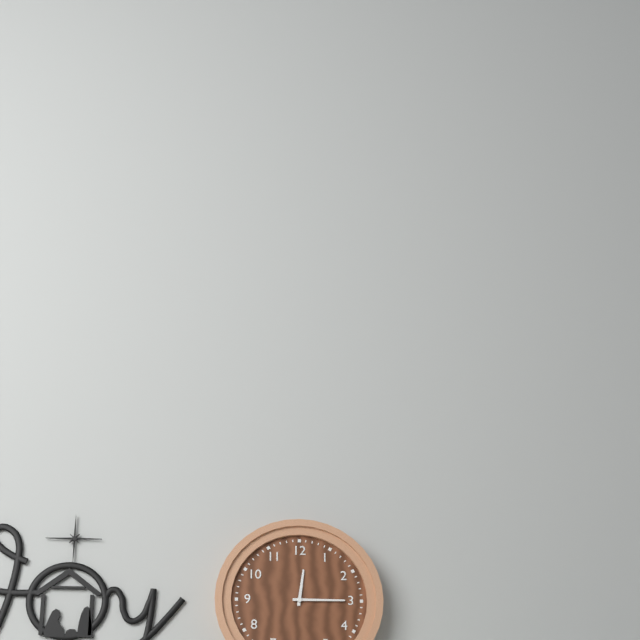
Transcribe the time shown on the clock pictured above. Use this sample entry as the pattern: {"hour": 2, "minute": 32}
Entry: {"hour": 12, "minute": 15}
